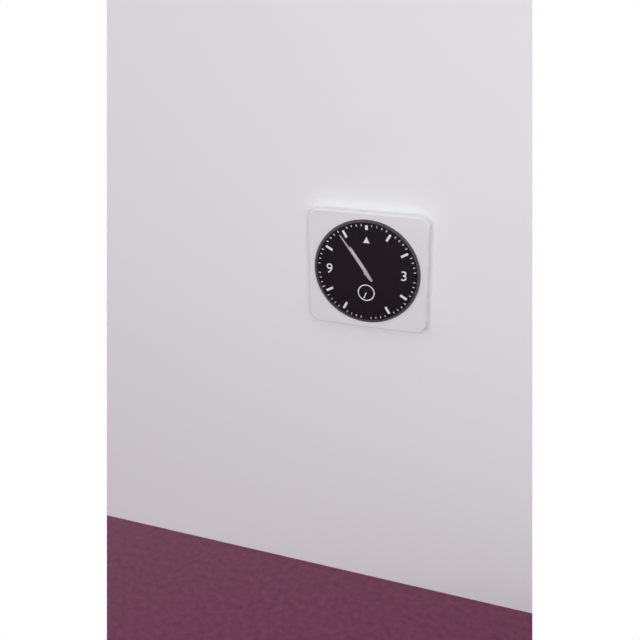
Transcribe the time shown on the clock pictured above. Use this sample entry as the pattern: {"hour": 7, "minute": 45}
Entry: {"hour": 10, "minute": 54}
